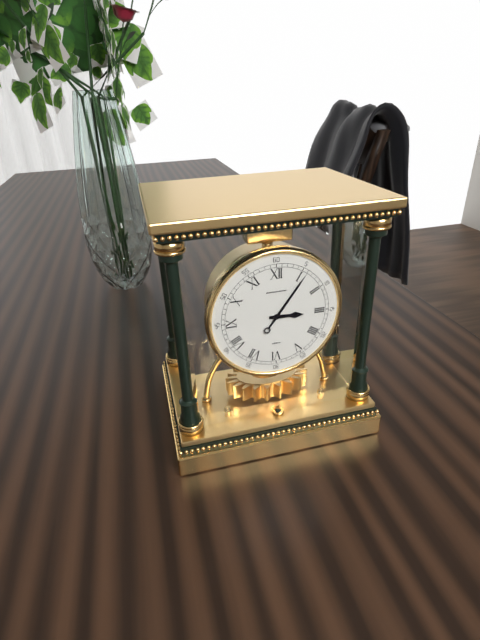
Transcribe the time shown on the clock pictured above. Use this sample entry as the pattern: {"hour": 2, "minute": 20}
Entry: {"hour": 3, "minute": 6}
